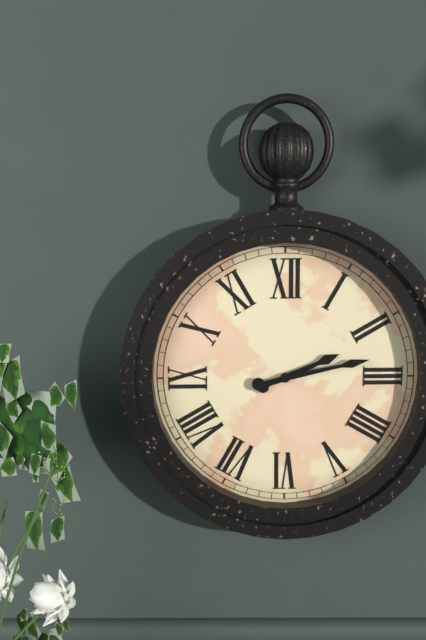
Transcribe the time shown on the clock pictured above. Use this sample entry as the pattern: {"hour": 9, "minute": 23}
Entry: {"hour": 2, "minute": 13}
